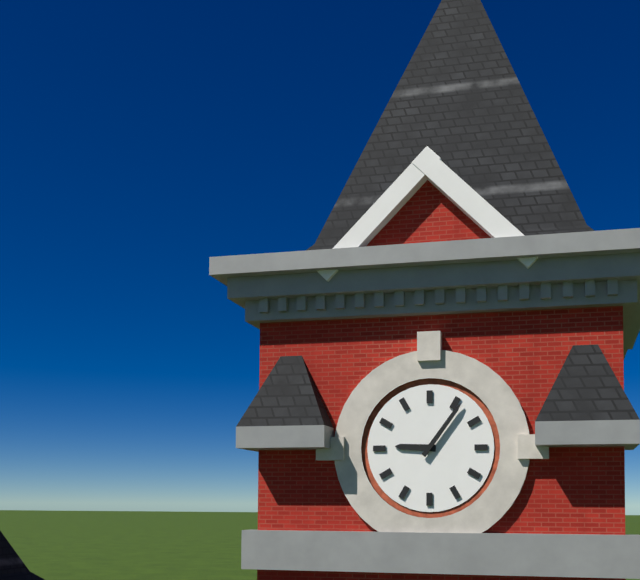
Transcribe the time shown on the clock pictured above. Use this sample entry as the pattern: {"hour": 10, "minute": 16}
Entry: {"hour": 9, "minute": 6}
